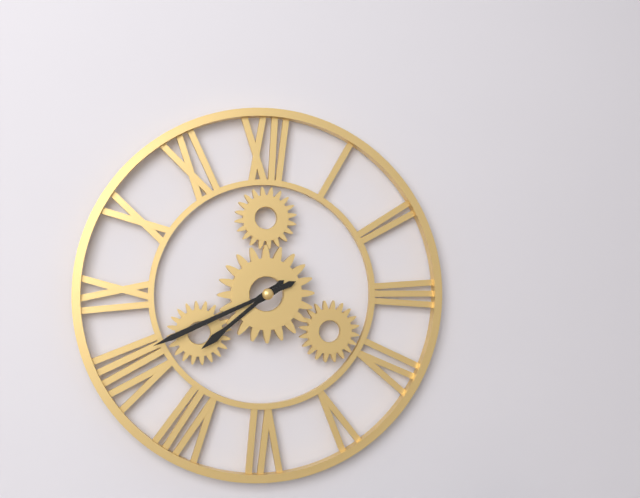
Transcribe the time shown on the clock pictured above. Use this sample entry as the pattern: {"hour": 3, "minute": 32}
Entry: {"hour": 7, "minute": 41}
